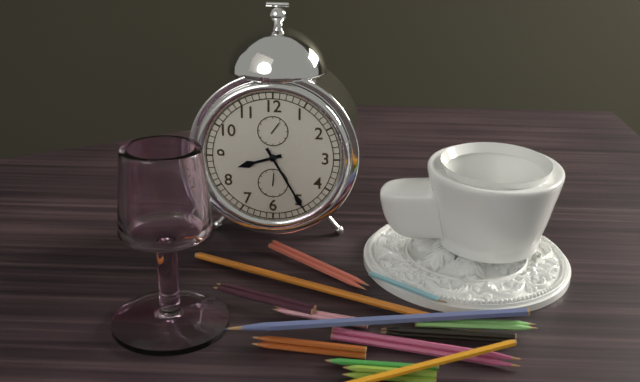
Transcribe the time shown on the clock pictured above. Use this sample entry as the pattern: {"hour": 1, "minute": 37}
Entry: {"hour": 8, "minute": 25}
